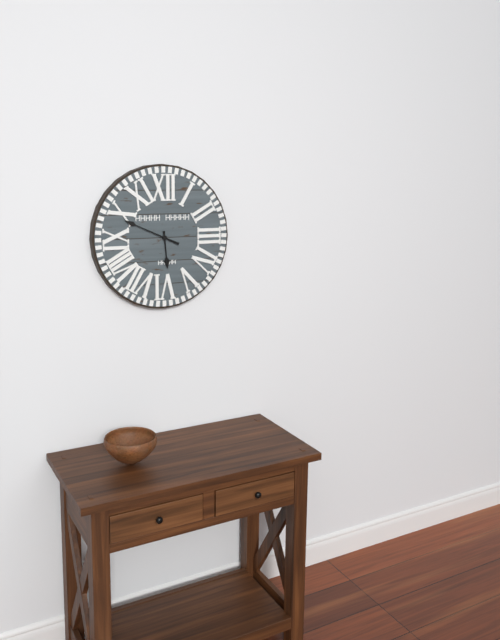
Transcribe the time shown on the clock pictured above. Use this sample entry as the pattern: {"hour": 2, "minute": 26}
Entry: {"hour": 5, "minute": 49}
